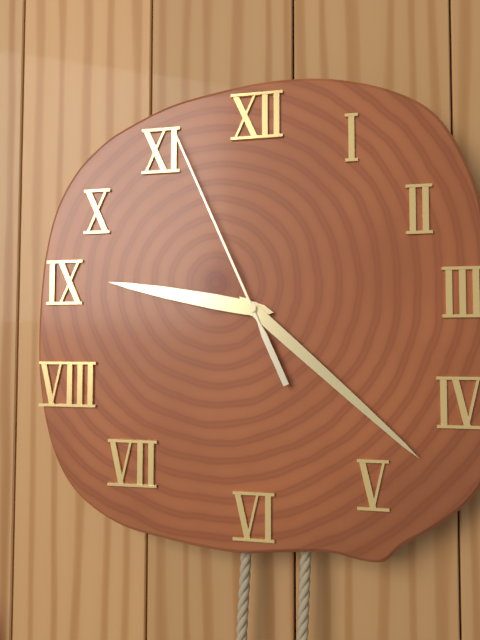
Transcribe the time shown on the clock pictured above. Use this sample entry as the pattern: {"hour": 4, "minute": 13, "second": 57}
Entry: {"hour": 9, "minute": 22, "second": 56}
